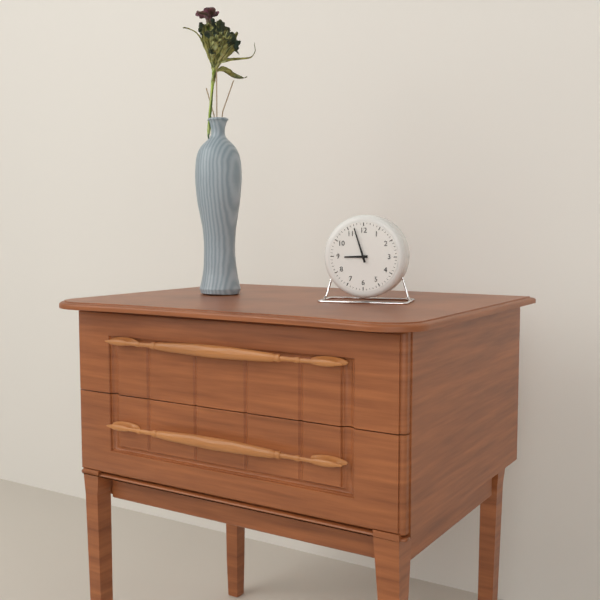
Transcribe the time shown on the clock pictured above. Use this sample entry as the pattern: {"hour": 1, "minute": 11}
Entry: {"hour": 8, "minute": 57}
